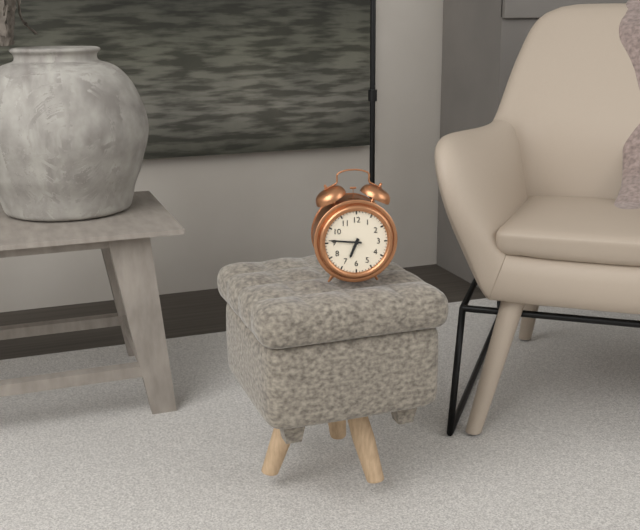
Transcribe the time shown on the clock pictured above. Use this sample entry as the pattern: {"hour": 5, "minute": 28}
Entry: {"hour": 6, "minute": 46}
